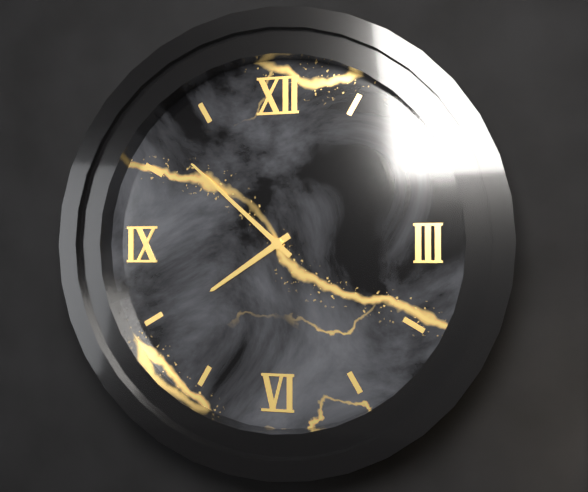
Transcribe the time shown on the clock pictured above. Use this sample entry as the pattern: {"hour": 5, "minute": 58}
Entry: {"hour": 7, "minute": 52}
